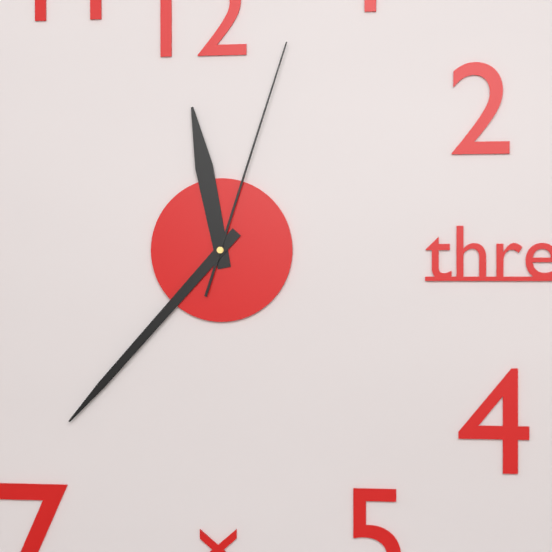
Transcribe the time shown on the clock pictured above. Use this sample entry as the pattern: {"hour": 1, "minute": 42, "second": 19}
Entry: {"hour": 11, "minute": 37, "second": 3}
